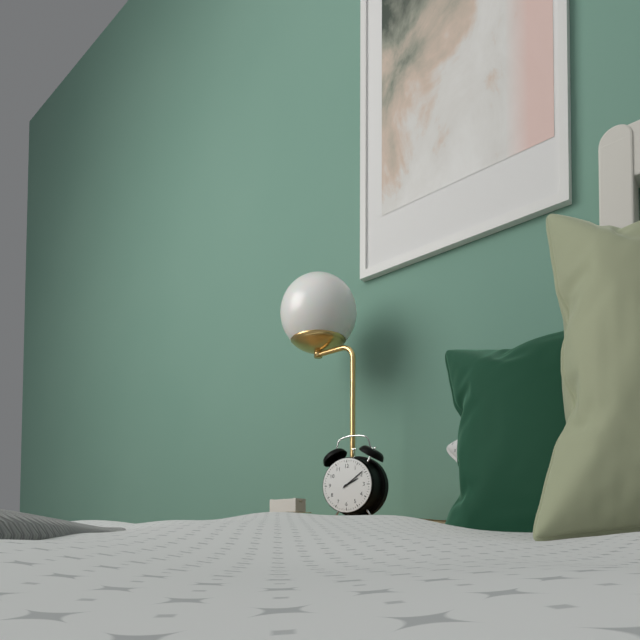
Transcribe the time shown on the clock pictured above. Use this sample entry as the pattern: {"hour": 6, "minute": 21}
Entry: {"hour": 2, "minute": 9}
